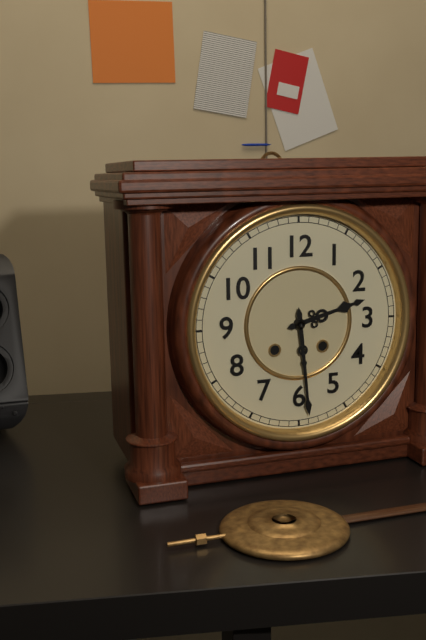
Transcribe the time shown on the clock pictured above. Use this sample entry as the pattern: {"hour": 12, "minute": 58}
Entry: {"hour": 2, "minute": 29}
